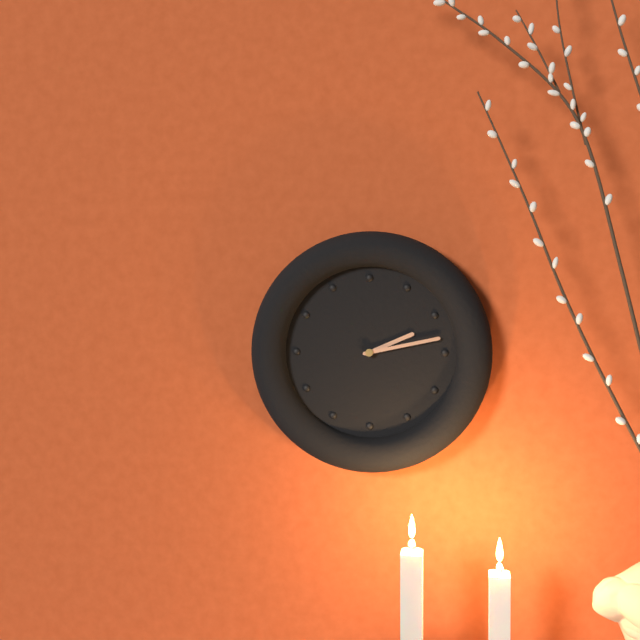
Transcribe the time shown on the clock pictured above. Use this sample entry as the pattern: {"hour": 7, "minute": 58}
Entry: {"hour": 2, "minute": 13}
